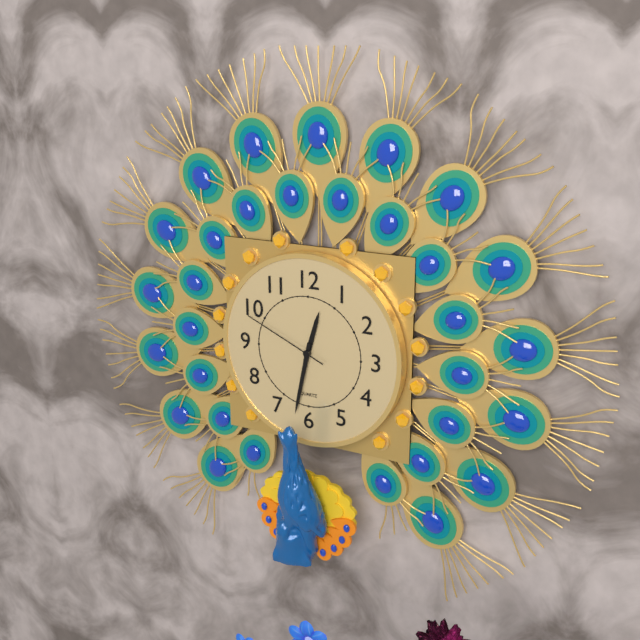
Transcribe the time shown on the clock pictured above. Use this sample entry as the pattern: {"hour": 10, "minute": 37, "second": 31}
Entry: {"hour": 12, "minute": 32, "second": 49}
